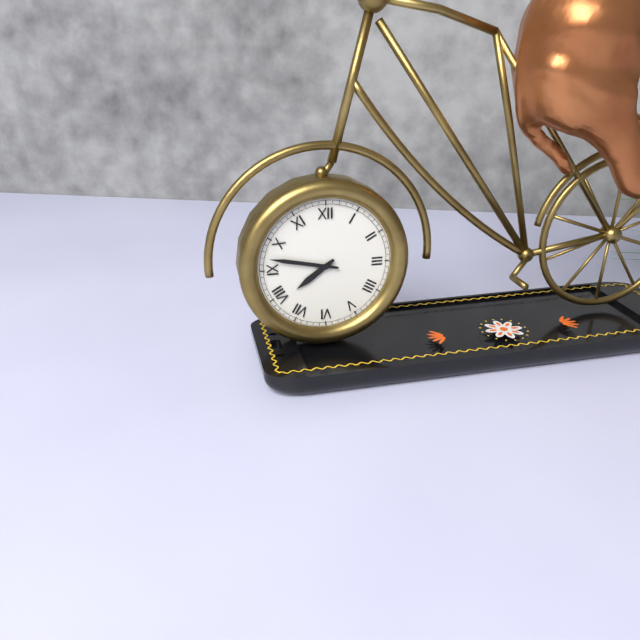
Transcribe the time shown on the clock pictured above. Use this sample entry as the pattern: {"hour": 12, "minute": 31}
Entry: {"hour": 7, "minute": 47}
